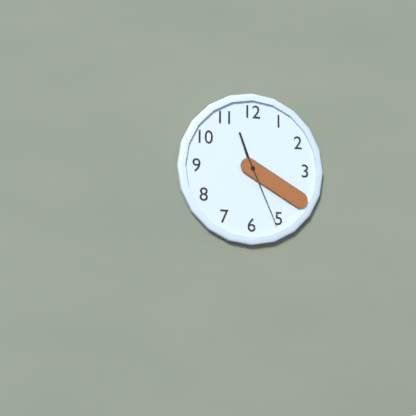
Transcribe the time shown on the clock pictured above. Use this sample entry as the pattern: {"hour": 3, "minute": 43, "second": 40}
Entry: {"hour": 11, "minute": 20, "second": 26}
